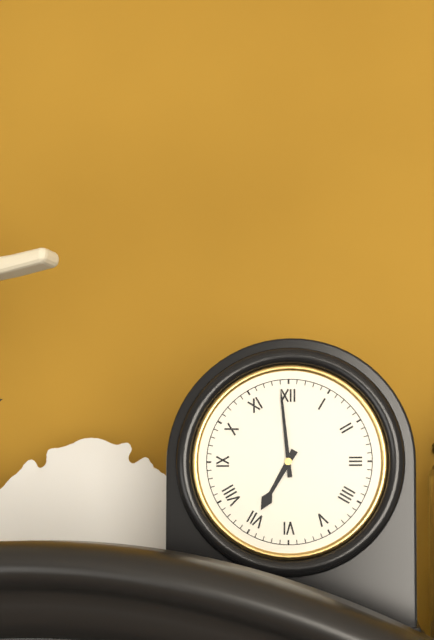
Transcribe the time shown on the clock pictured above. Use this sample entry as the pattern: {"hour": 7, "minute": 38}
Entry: {"hour": 6, "minute": 59}
